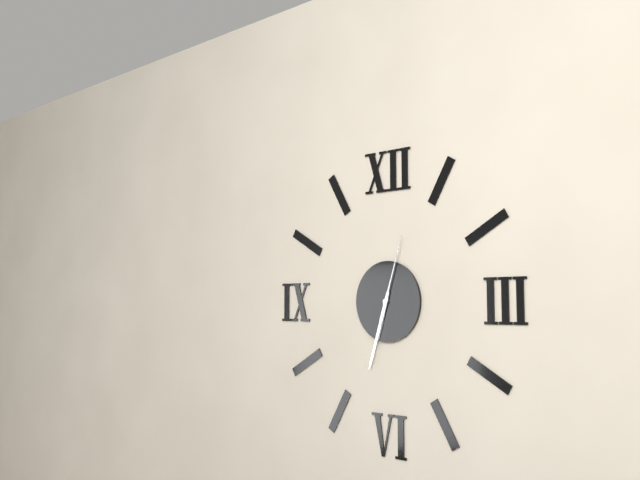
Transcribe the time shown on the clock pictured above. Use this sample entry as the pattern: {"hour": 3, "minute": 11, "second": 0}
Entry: {"hour": 6, "minute": 33, "second": 3}
